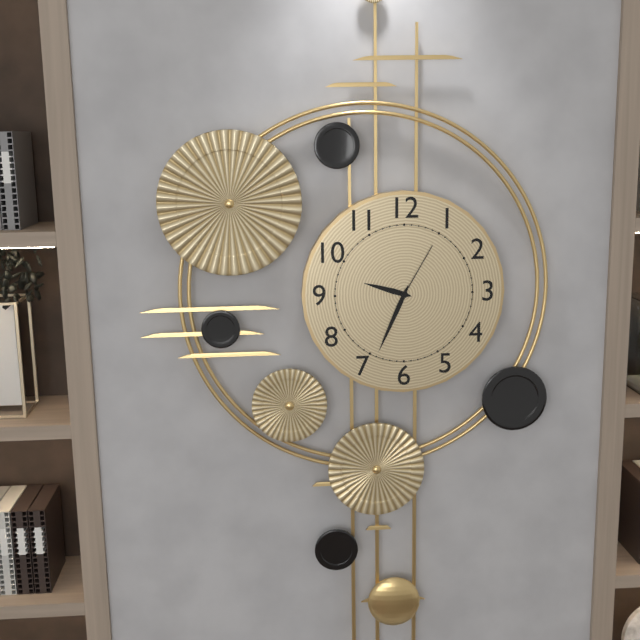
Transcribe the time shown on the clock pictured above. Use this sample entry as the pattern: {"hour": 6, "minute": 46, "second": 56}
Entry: {"hour": 9, "minute": 34, "second": 5}
